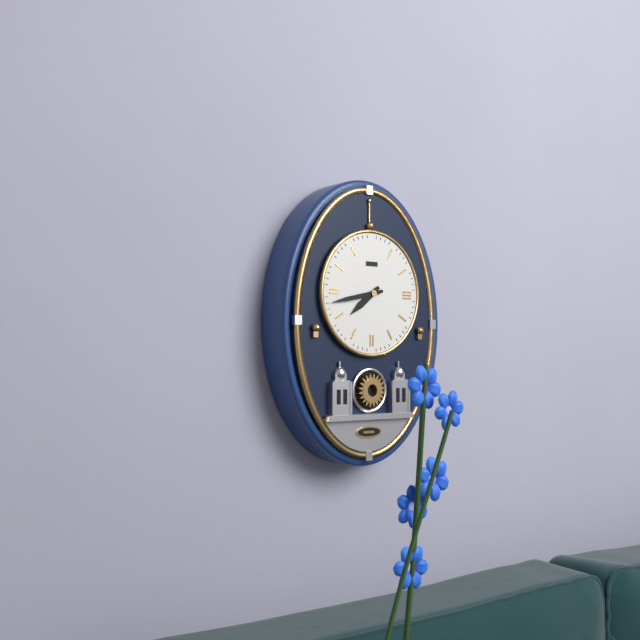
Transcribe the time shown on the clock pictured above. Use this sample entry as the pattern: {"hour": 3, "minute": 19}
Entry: {"hour": 7, "minute": 43}
